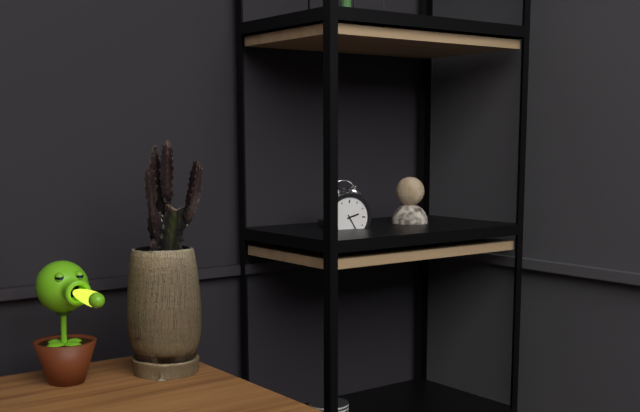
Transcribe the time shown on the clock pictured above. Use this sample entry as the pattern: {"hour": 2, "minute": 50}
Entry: {"hour": 2, "minute": 25}
